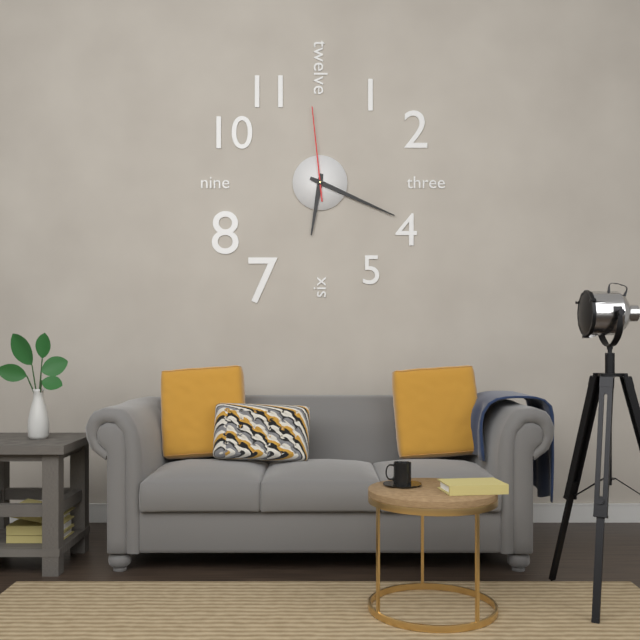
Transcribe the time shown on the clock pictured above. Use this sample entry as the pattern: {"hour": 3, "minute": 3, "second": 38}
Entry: {"hour": 6, "minute": 19, "second": 59}
